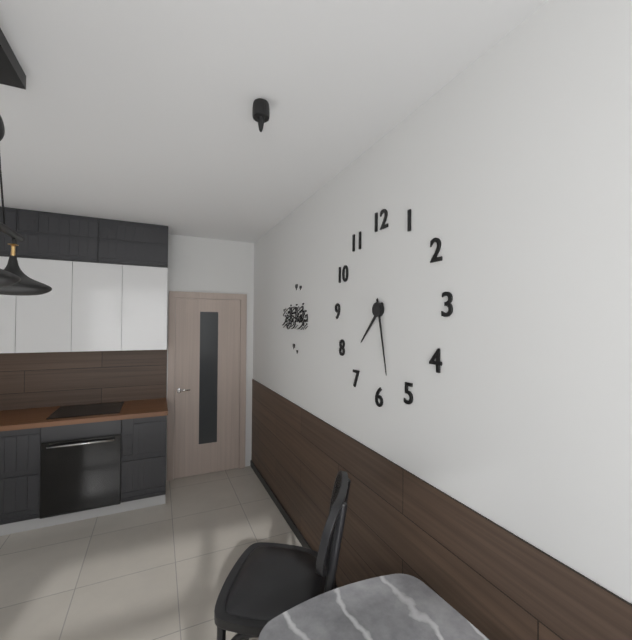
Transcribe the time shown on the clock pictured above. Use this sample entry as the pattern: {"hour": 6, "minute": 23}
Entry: {"hour": 7, "minute": 28}
